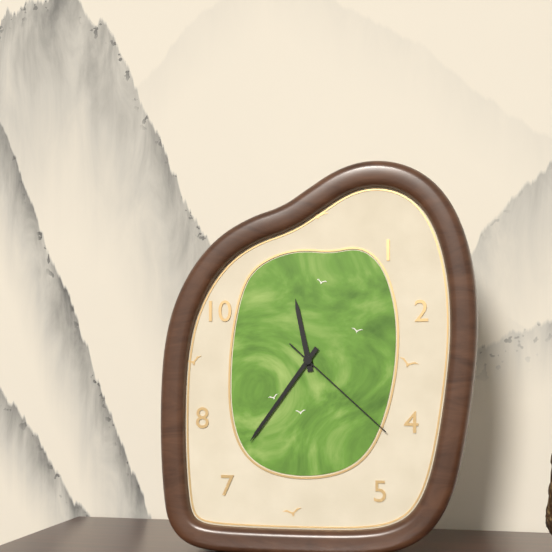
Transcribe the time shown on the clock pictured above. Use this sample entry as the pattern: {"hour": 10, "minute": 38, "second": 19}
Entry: {"hour": 11, "minute": 36, "second": 22}
